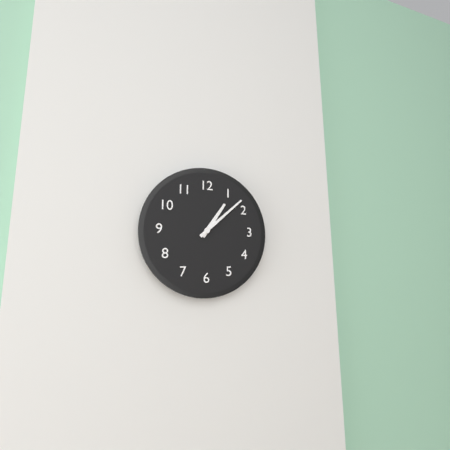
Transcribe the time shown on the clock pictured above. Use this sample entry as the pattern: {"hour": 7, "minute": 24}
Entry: {"hour": 1, "minute": 8}
